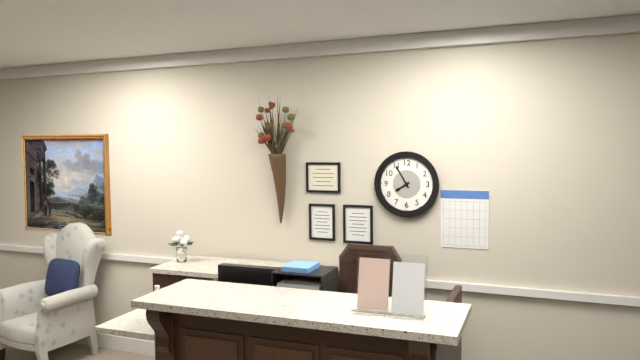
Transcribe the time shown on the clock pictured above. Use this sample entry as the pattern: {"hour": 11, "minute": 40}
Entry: {"hour": 7, "minute": 55}
